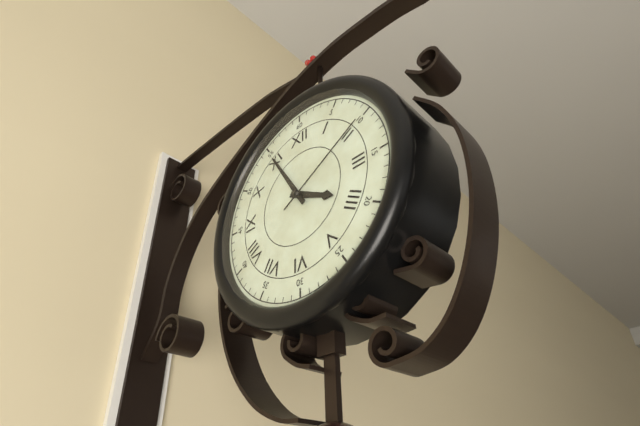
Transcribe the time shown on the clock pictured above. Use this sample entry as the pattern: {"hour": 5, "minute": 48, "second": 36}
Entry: {"hour": 3, "minute": 55, "second": 10}
